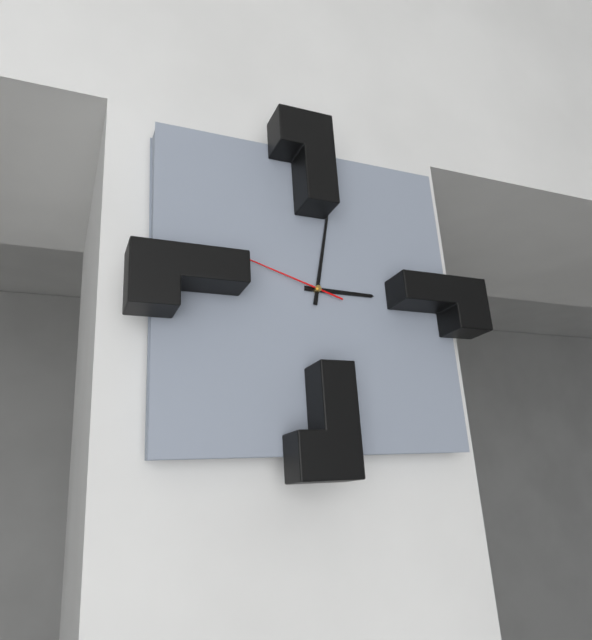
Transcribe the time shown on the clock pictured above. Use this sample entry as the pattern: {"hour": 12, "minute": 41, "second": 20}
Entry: {"hour": 3, "minute": 2, "second": 48}
